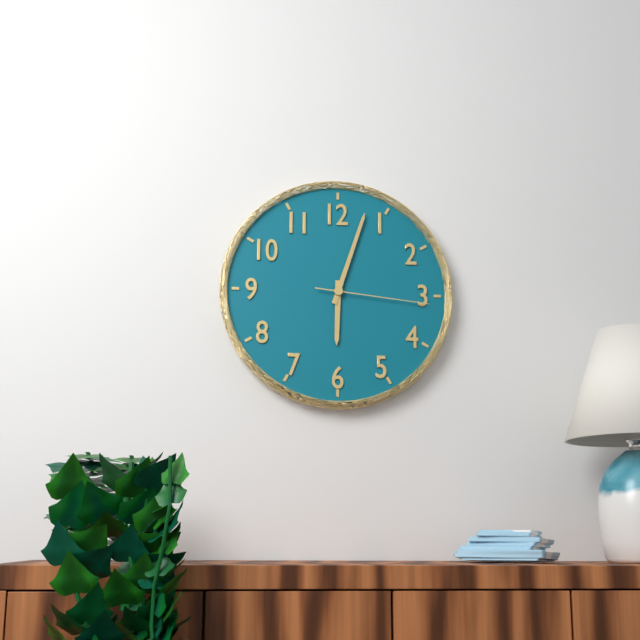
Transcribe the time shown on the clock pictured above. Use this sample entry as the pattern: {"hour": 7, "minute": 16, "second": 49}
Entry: {"hour": 6, "minute": 3, "second": 16}
